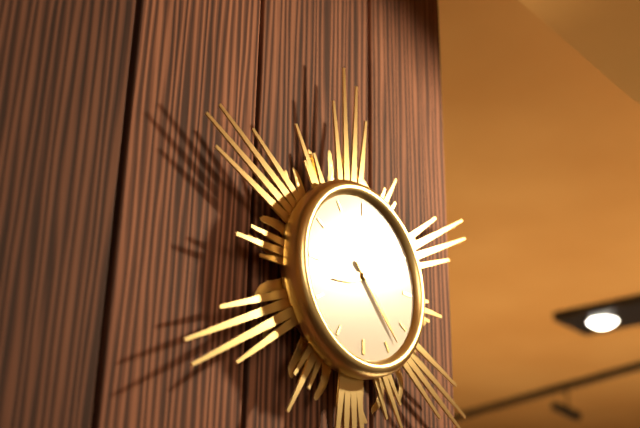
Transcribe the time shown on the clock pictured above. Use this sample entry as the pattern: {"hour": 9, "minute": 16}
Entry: {"hour": 8, "minute": 23}
